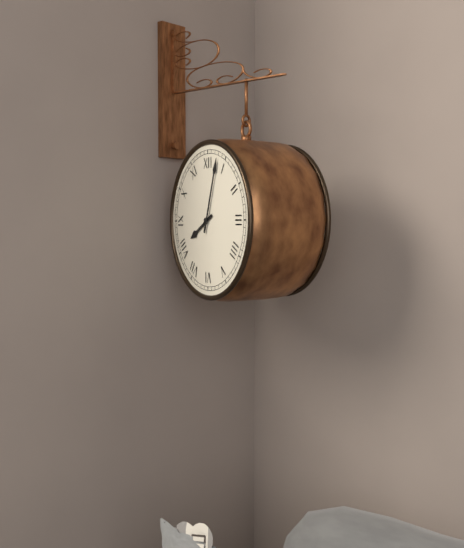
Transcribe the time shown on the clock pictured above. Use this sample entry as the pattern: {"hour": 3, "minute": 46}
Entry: {"hour": 8, "minute": 3}
